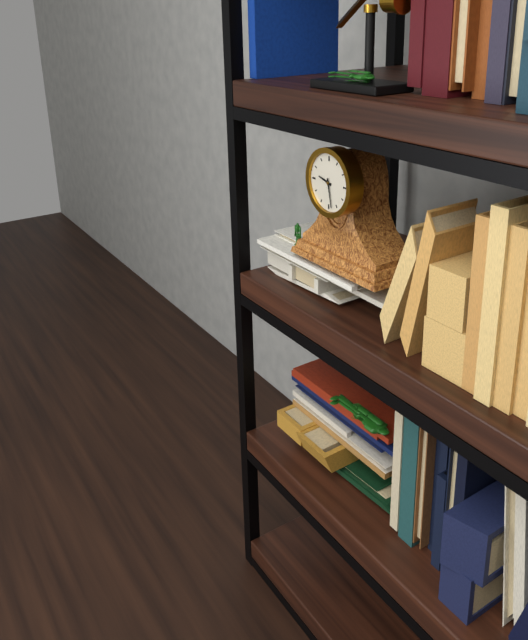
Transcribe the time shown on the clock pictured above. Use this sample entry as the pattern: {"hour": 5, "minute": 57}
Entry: {"hour": 9, "minute": 28}
